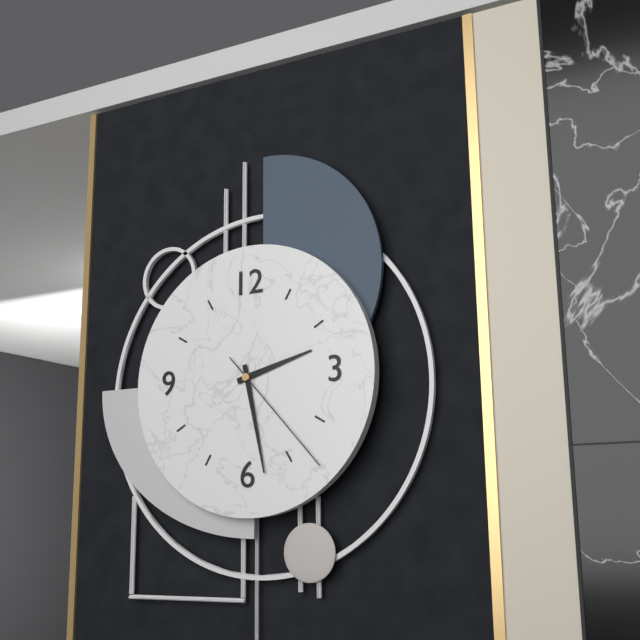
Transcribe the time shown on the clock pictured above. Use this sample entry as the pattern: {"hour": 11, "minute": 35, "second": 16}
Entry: {"hour": 2, "minute": 28, "second": 23}
